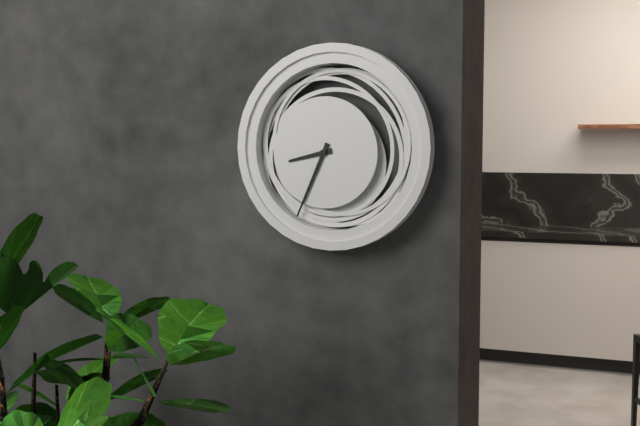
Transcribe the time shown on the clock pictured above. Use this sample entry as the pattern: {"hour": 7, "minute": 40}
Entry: {"hour": 8, "minute": 34}
